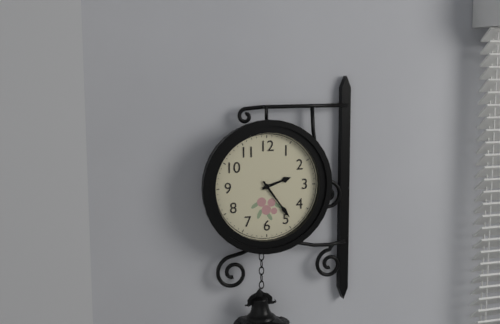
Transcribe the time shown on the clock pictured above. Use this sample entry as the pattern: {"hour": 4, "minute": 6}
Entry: {"hour": 2, "minute": 24}
